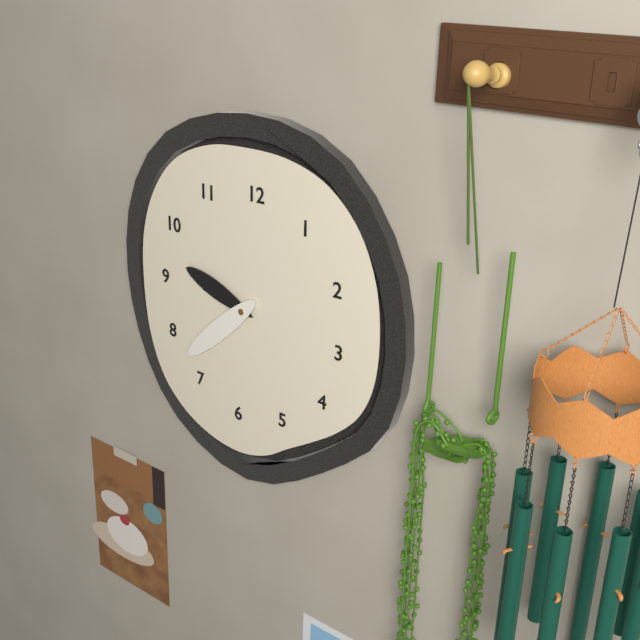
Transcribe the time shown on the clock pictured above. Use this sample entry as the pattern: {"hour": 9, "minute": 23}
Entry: {"hour": 9, "minute": 38}
